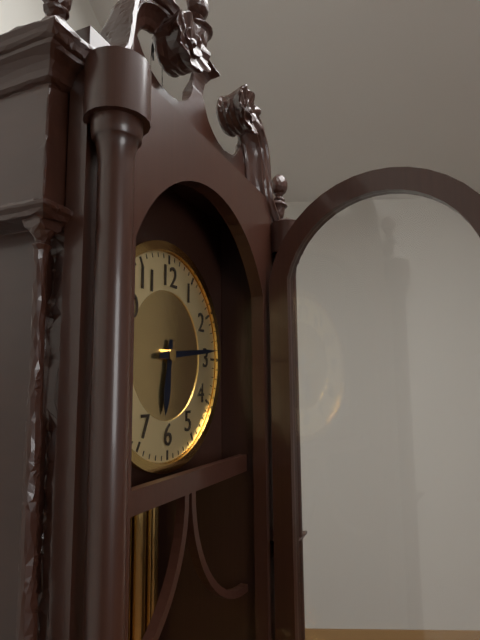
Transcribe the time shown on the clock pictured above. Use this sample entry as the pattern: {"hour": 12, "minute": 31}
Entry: {"hour": 6, "minute": 14}
